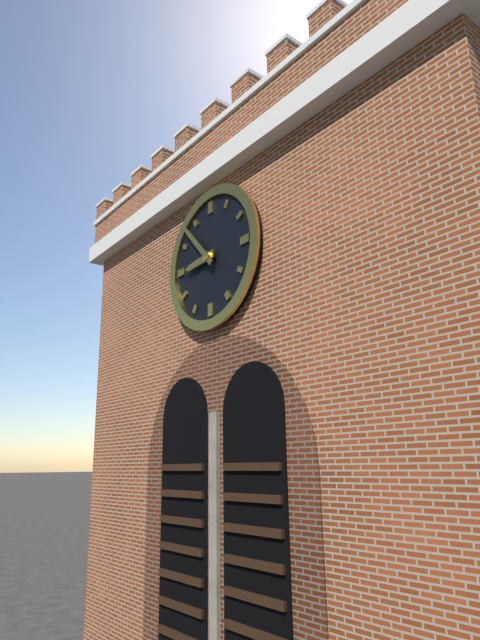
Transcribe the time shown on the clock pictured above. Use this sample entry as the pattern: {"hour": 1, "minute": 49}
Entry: {"hour": 8, "minute": 53}
